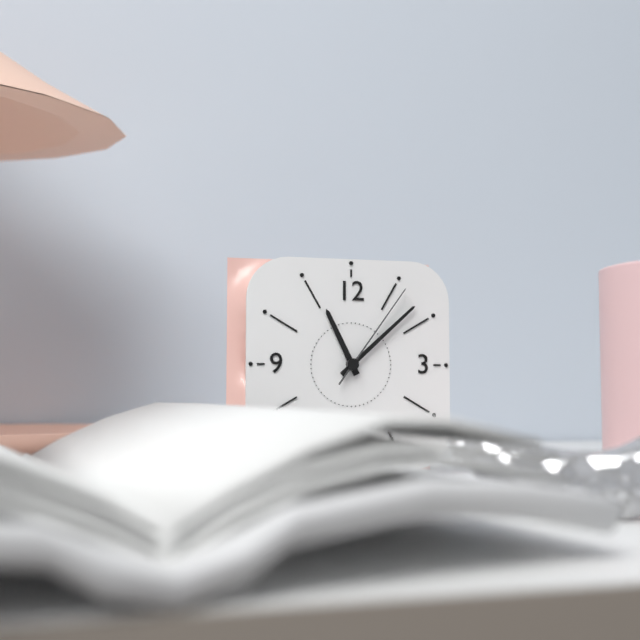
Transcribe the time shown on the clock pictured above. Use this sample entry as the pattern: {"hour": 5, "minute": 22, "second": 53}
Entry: {"hour": 11, "minute": 8, "second": 6}
